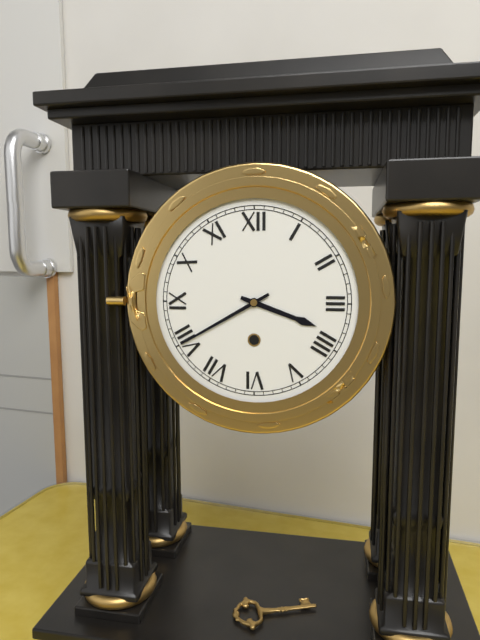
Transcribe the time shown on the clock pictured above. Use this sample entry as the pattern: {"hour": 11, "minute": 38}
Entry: {"hour": 3, "minute": 40}
